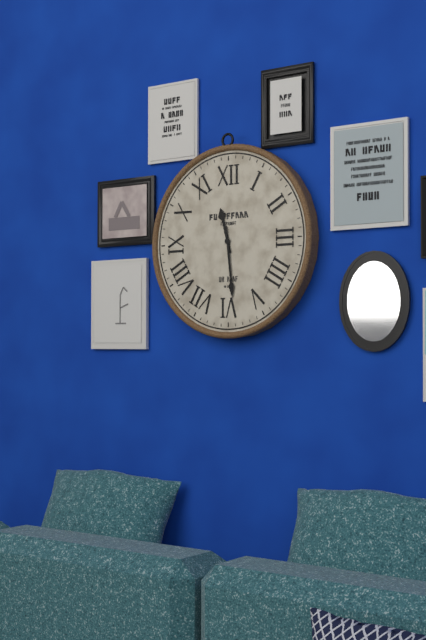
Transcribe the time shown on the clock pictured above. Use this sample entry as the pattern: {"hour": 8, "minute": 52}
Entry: {"hour": 11, "minute": 29}
